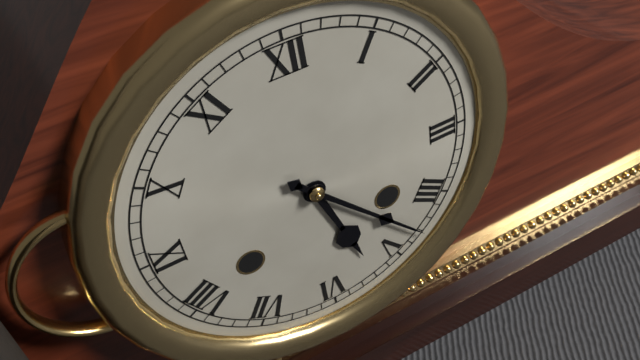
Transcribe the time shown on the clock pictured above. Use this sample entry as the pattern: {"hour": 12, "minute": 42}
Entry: {"hour": 5, "minute": 23}
